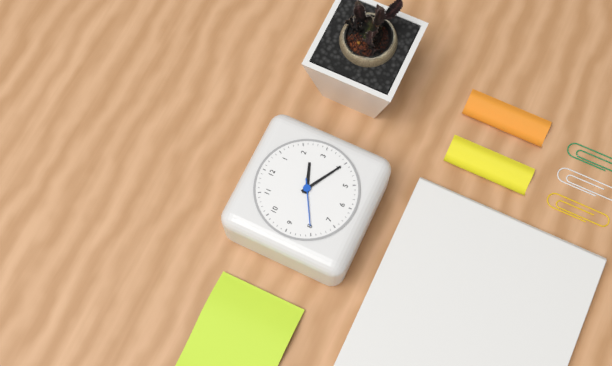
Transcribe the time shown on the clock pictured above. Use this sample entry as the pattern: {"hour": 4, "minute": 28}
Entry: {"hour": 2, "minute": 20}
